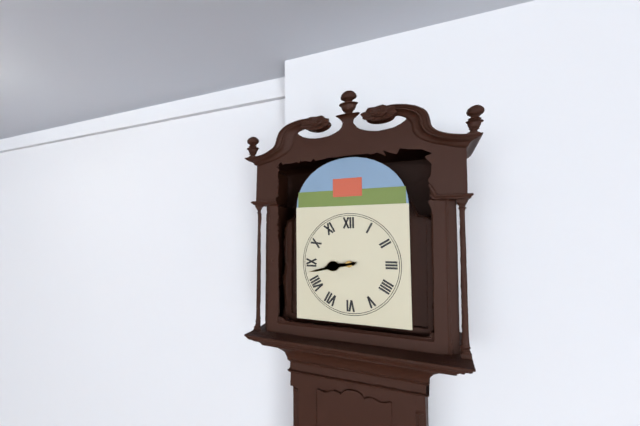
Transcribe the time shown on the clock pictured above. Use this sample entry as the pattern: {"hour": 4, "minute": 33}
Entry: {"hour": 8, "minute": 43}
